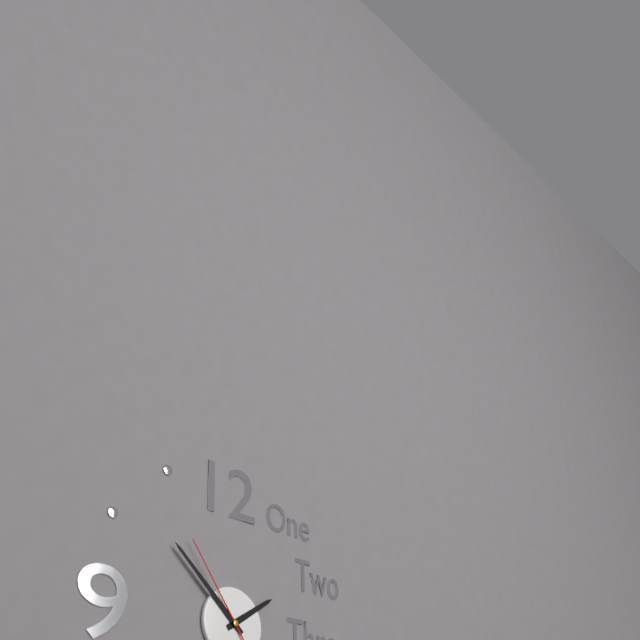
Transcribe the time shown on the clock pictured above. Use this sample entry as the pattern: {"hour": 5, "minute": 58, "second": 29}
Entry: {"hour": 1, "minute": 52, "second": 54}
